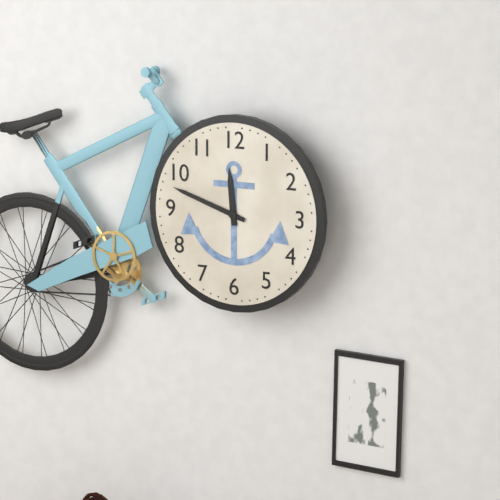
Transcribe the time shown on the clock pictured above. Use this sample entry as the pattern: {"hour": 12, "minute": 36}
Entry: {"hour": 11, "minute": 48}
